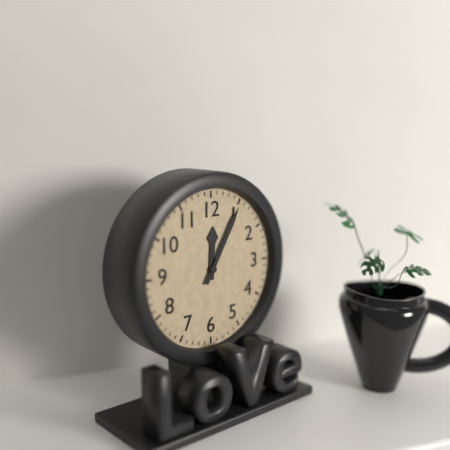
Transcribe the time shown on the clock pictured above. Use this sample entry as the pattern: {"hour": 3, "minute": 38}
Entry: {"hour": 12, "minute": 5}
